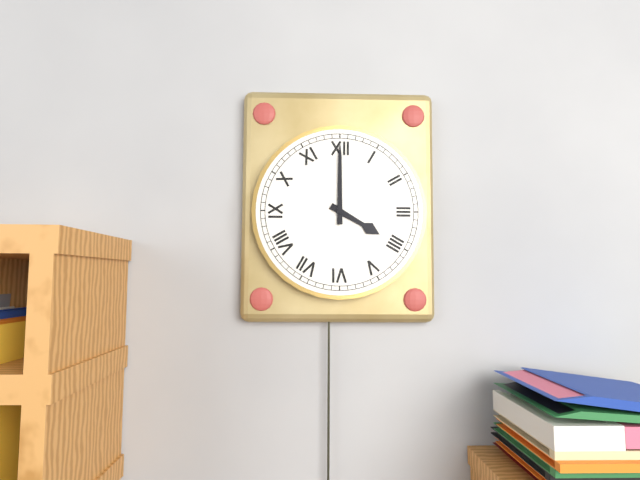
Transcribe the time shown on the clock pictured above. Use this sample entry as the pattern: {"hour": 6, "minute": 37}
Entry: {"hour": 4, "minute": 0}
